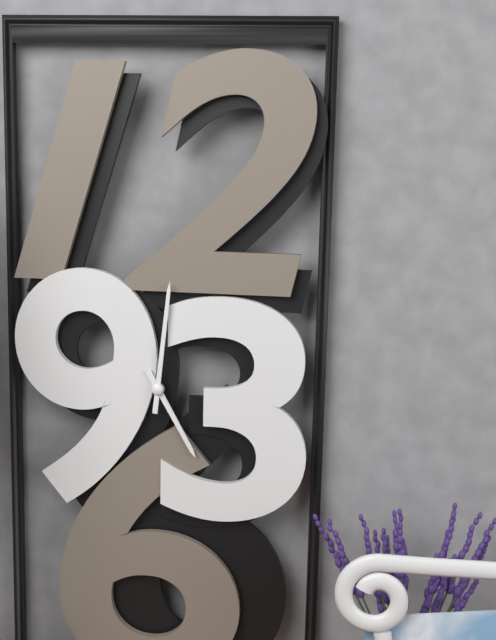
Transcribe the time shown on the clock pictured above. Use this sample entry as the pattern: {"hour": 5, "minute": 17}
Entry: {"hour": 5, "minute": 1}
